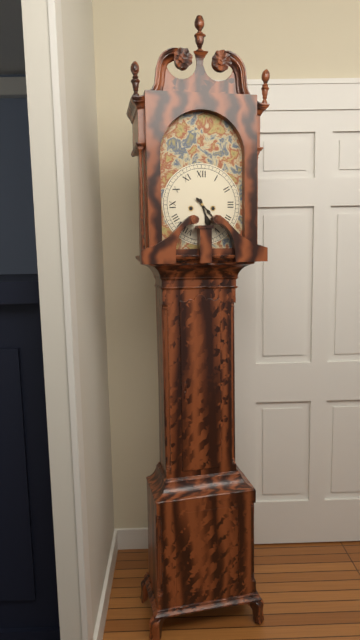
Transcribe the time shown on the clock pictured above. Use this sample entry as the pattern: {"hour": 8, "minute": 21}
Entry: {"hour": 5, "minute": 23}
